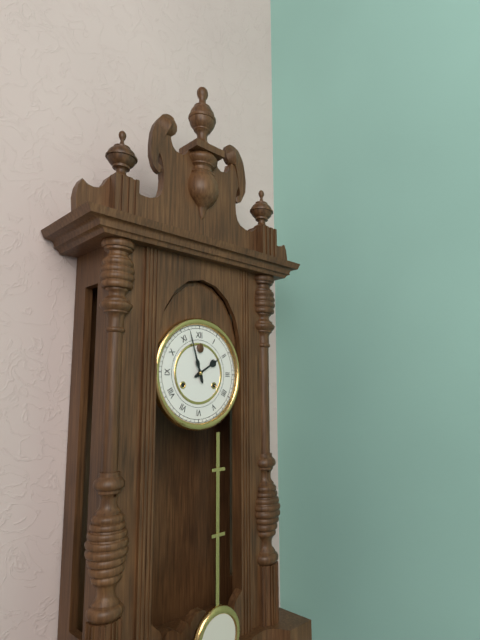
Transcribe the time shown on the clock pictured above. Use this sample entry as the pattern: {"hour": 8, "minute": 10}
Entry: {"hour": 1, "minute": 57}
